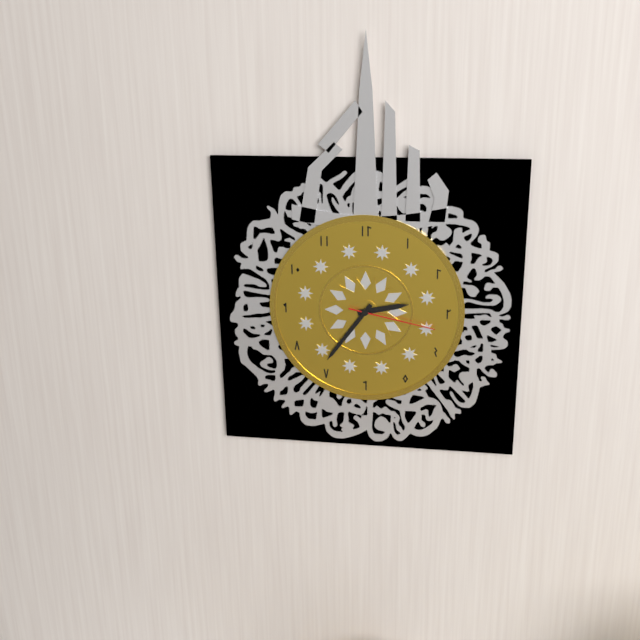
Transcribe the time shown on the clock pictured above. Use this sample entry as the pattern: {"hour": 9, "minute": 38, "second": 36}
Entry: {"hour": 2, "minute": 36, "second": 17}
